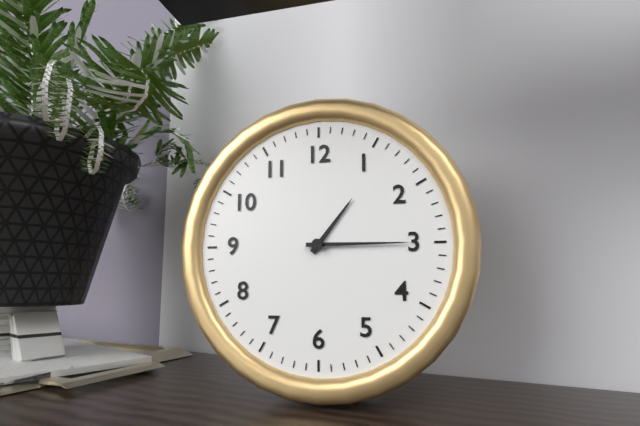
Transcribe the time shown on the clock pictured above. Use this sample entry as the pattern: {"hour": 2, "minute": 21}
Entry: {"hour": 1, "minute": 15}
